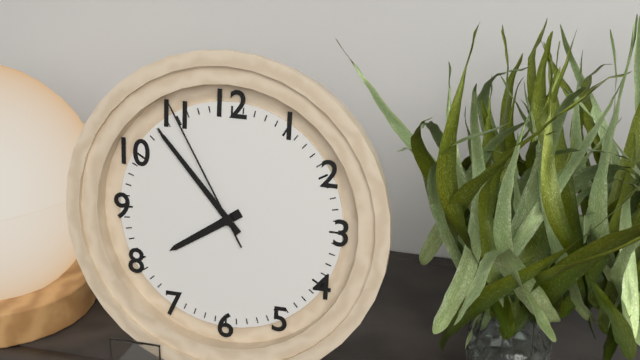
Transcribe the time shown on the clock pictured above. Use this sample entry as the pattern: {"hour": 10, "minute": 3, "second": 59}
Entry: {"hour": 7, "minute": 53, "second": 55}
